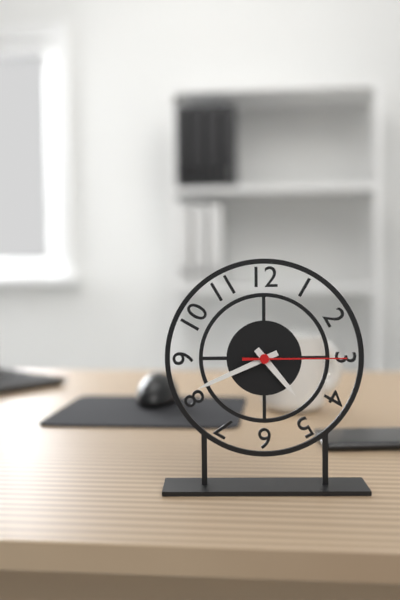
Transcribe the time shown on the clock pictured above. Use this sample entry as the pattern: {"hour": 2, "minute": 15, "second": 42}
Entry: {"hour": 4, "minute": 41, "second": 15}
